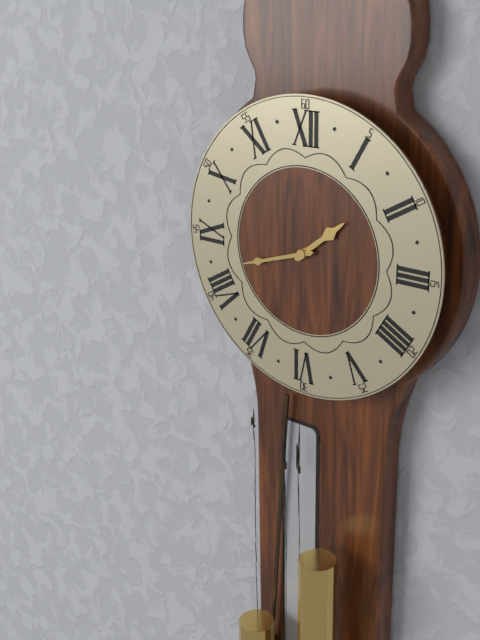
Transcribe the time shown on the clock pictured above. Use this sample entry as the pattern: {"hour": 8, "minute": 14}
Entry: {"hour": 1, "minute": 42}
